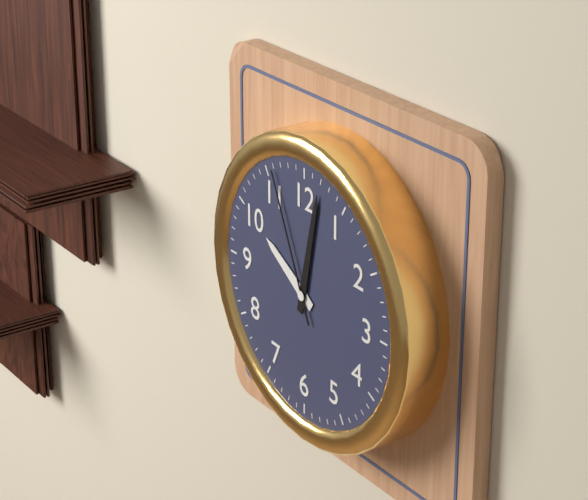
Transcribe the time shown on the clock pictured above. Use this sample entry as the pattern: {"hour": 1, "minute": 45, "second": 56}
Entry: {"hour": 10, "minute": 2, "second": 56}
